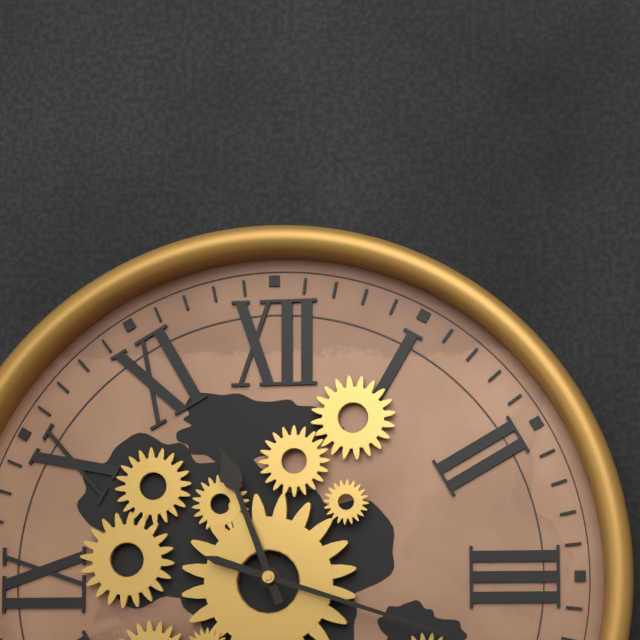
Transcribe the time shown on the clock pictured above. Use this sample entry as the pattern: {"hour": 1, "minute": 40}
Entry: {"hour": 11, "minute": 18}
